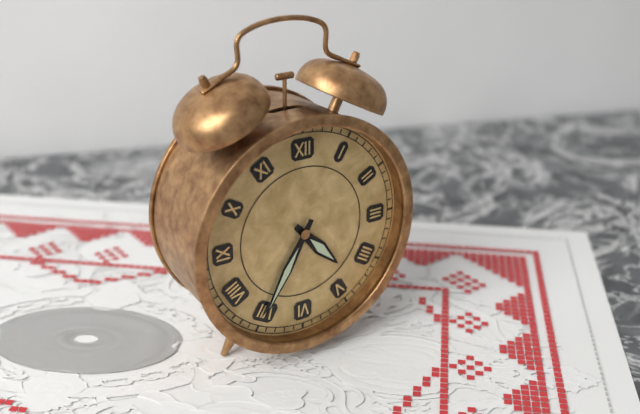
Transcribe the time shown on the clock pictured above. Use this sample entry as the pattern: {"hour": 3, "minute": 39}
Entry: {"hour": 4, "minute": 35}
